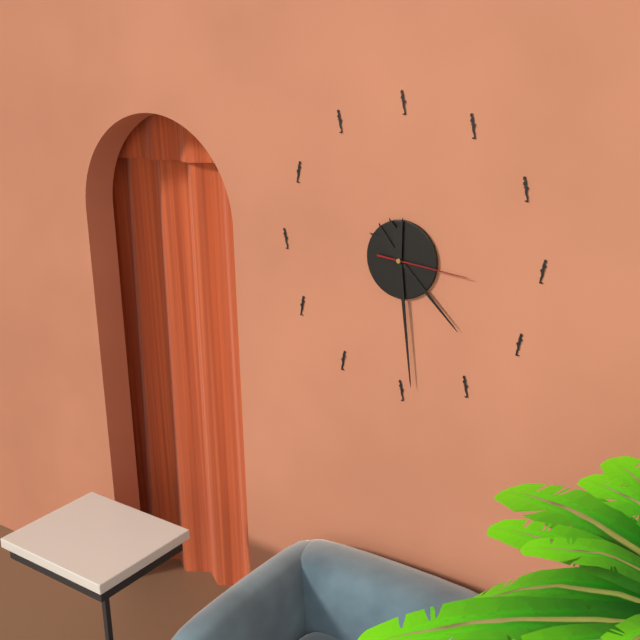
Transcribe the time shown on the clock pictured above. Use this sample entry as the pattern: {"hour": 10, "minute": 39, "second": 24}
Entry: {"hour": 4, "minute": 29, "second": 16}
